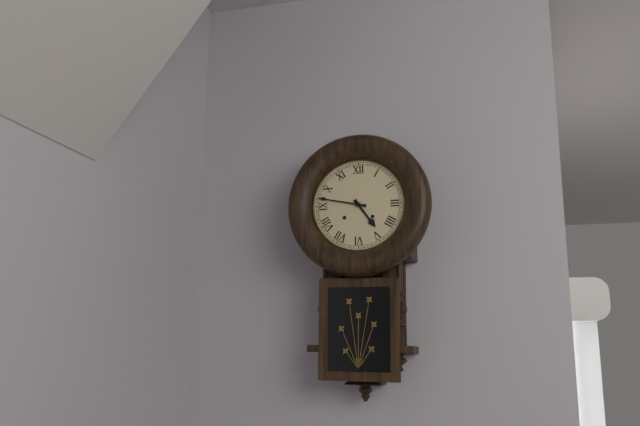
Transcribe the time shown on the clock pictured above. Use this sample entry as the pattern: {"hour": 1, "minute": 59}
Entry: {"hour": 4, "minute": 47}
